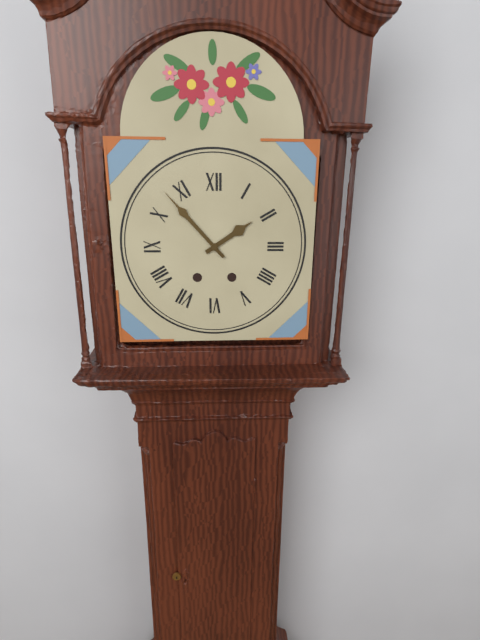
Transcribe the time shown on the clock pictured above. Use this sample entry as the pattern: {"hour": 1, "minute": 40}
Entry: {"hour": 1, "minute": 53}
